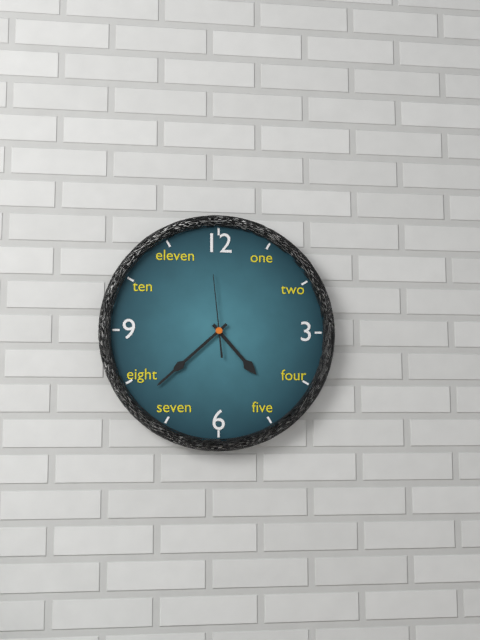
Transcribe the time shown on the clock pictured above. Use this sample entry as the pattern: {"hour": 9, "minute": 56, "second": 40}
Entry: {"hour": 4, "minute": 38, "second": 59}
